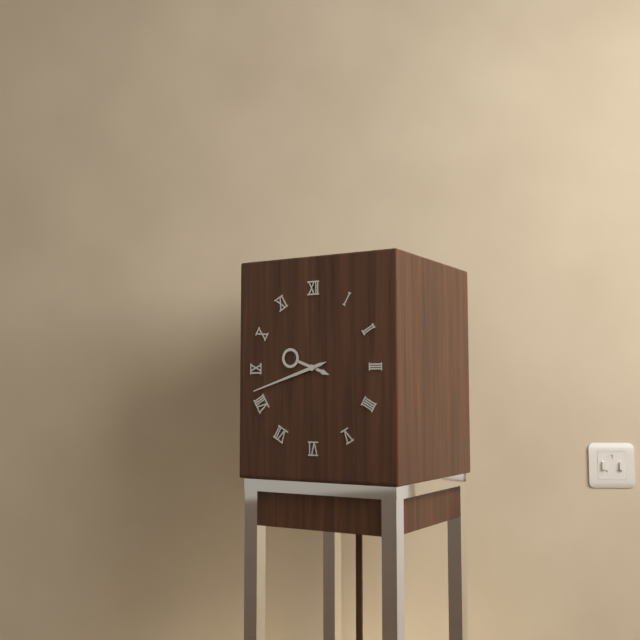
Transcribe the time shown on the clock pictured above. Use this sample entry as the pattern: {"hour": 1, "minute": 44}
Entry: {"hour": 9, "minute": 42}
